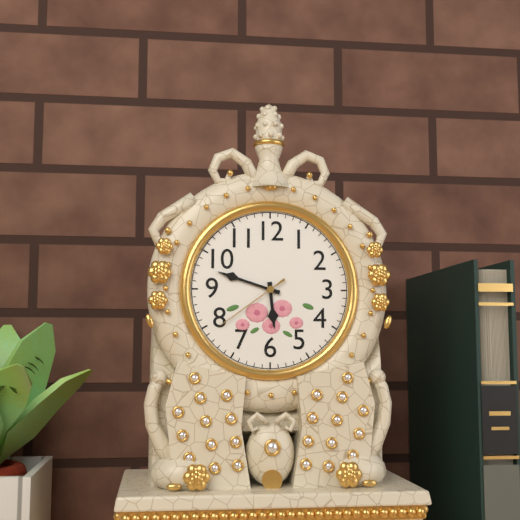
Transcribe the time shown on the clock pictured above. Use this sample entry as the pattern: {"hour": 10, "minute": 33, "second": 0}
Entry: {"hour": 5, "minute": 48, "second": 39}
